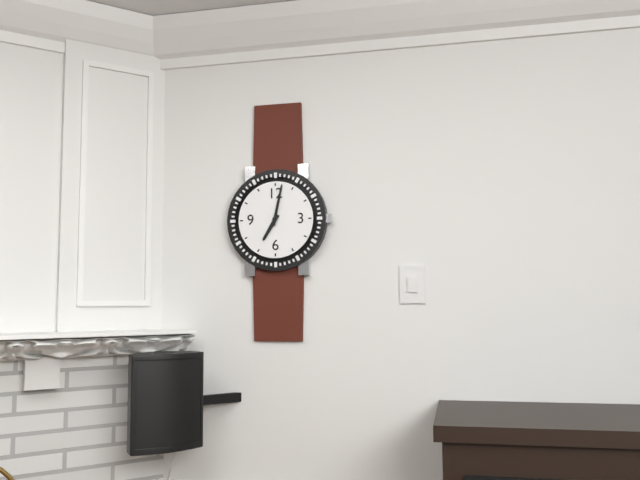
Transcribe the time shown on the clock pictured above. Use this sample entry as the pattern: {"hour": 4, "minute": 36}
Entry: {"hour": 7, "minute": 2}
